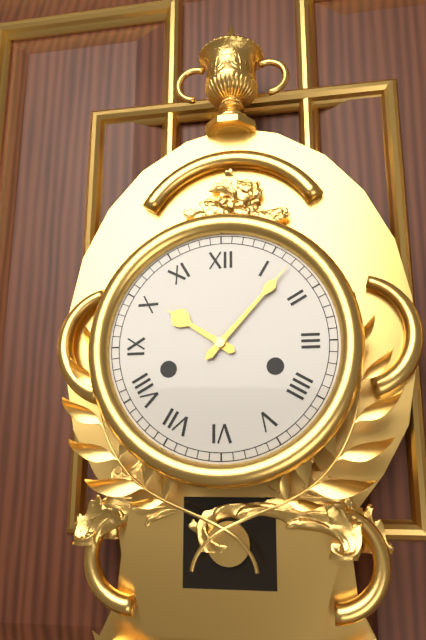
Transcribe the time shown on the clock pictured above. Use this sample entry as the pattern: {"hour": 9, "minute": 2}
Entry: {"hour": 10, "minute": 7}
